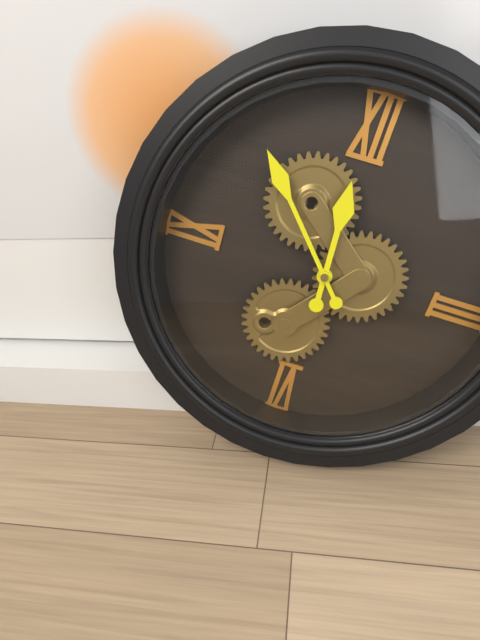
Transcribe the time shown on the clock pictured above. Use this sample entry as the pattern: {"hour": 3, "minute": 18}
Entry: {"hour": 11, "minute": 53}
